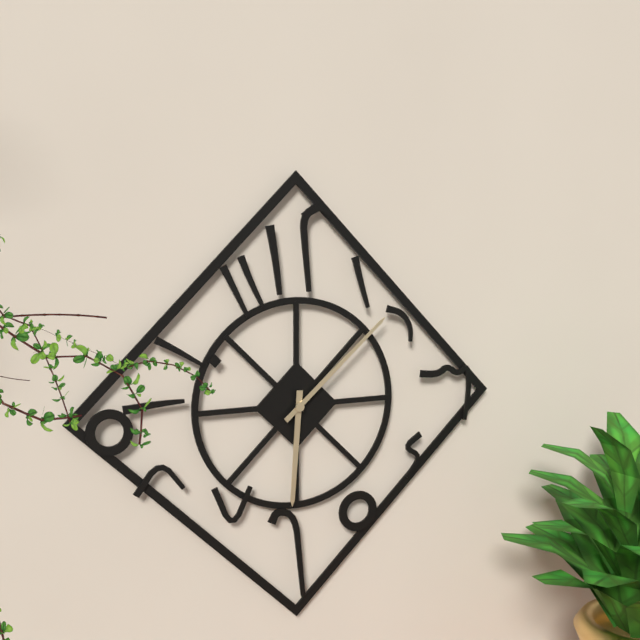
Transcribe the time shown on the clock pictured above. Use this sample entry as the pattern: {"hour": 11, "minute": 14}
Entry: {"hour": 6, "minute": 8}
